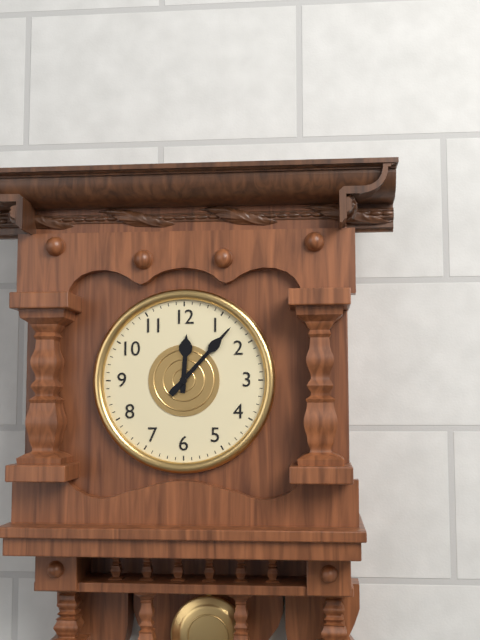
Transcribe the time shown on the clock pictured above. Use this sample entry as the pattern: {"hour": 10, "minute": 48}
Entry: {"hour": 12, "minute": 7}
